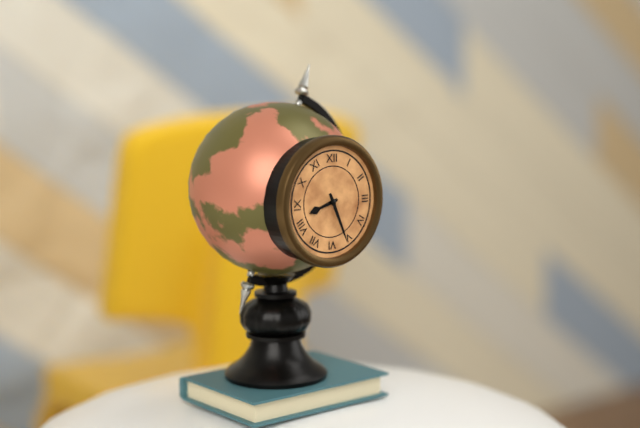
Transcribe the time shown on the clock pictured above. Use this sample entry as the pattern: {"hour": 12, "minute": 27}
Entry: {"hour": 8, "minute": 26}
